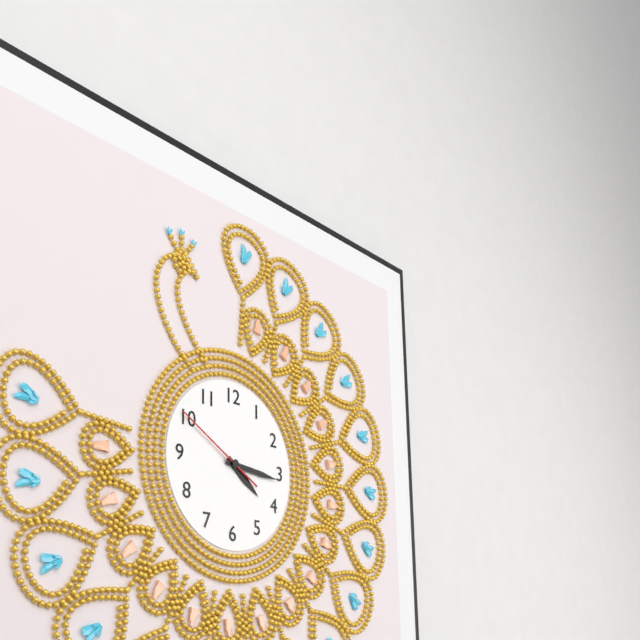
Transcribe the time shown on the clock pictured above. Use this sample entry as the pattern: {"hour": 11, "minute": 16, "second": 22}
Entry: {"hour": 4, "minute": 16, "second": 50}
